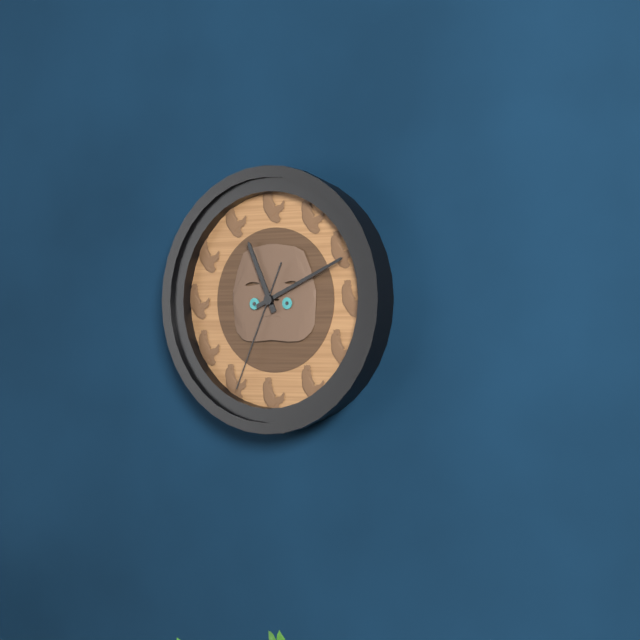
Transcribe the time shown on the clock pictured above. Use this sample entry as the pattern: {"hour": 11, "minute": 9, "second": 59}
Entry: {"hour": 11, "minute": 11, "second": 34}
